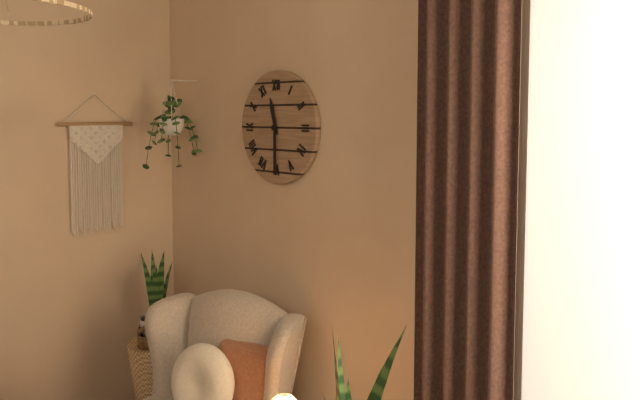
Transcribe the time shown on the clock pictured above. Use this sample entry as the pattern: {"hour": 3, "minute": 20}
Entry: {"hour": 11, "minute": 30}
